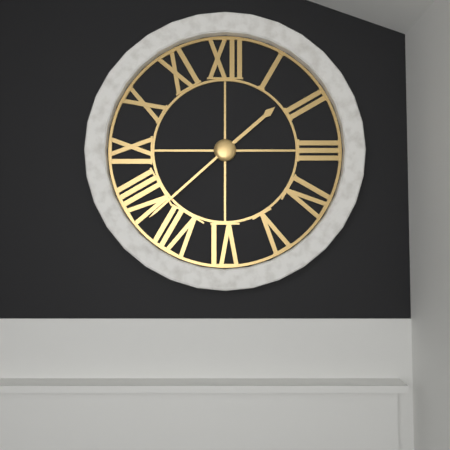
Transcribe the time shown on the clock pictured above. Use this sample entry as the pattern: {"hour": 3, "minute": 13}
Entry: {"hour": 1, "minute": 38}
